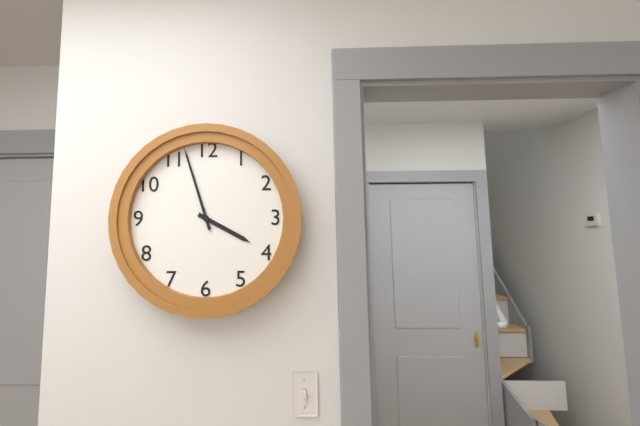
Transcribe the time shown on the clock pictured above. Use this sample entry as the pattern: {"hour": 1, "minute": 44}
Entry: {"hour": 3, "minute": 57}
